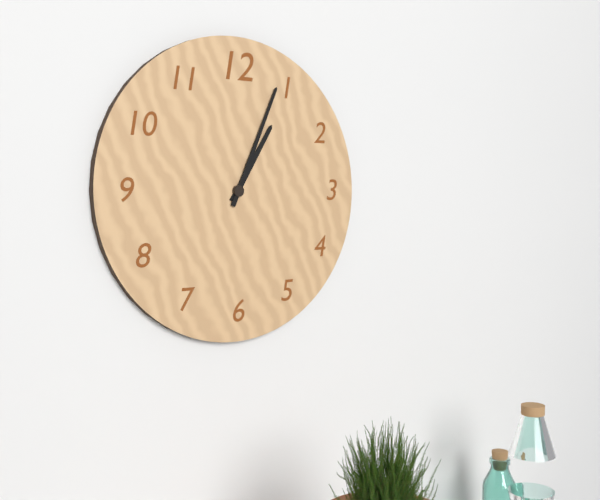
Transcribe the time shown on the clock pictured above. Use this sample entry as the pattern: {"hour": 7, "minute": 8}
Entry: {"hour": 1, "minute": 4}
